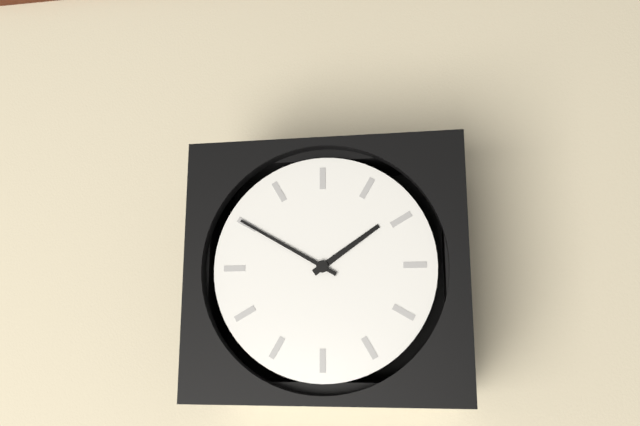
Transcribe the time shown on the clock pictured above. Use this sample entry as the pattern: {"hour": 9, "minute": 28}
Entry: {"hour": 1, "minute": 50}
